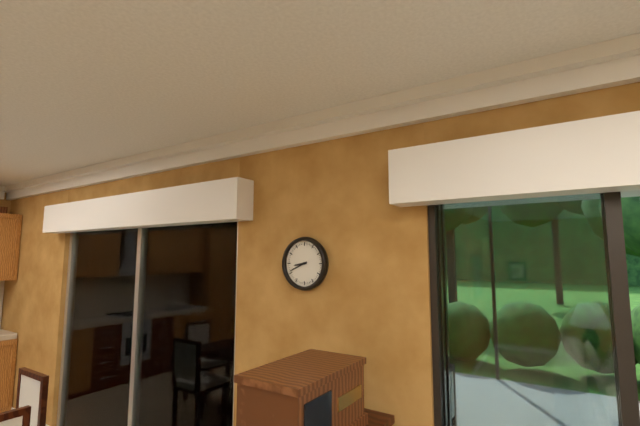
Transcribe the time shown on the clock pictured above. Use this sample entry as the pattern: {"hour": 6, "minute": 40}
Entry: {"hour": 8, "minute": 41}
